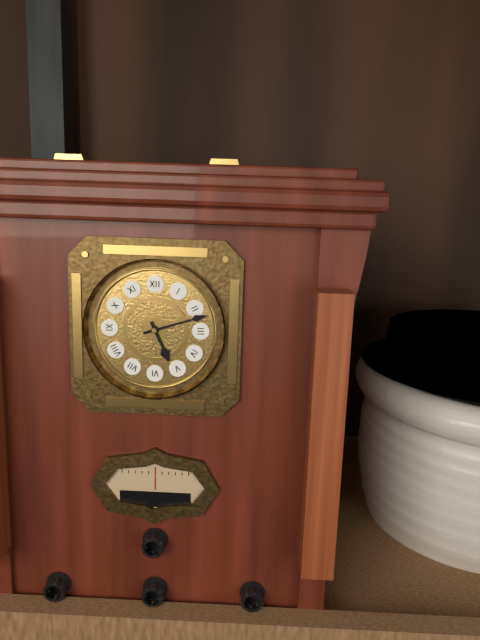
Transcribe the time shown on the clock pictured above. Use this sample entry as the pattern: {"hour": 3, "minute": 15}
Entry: {"hour": 5, "minute": 12}
